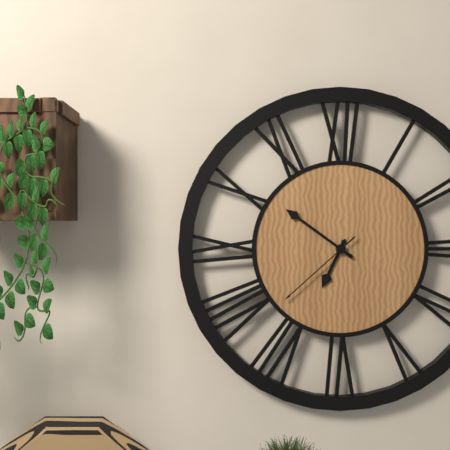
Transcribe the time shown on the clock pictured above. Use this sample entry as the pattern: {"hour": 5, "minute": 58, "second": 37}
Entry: {"hour": 6, "minute": 51, "second": 38}
